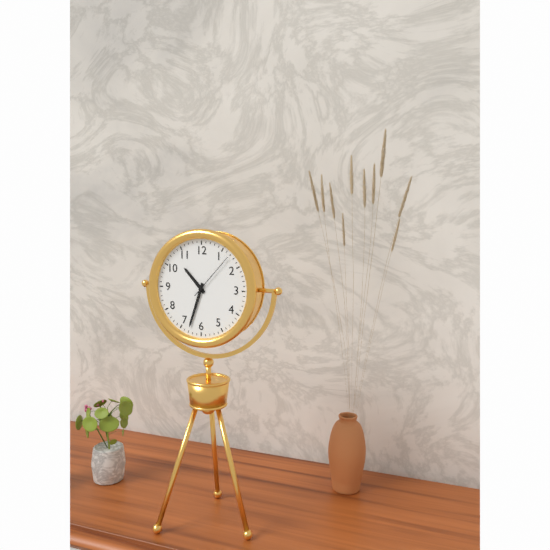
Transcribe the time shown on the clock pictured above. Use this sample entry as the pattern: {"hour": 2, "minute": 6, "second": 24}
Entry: {"hour": 10, "minute": 33, "second": 7}
